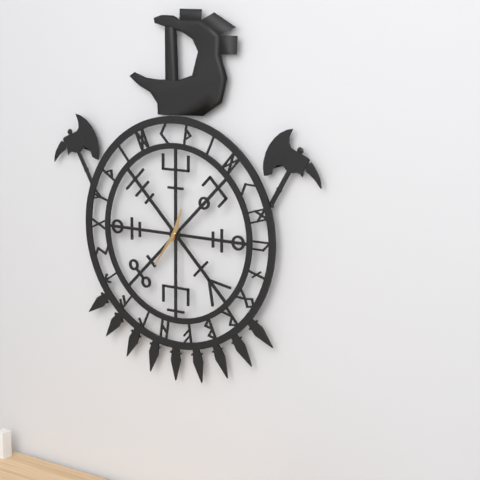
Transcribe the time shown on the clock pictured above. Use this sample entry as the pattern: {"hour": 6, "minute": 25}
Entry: {"hour": 12, "minute": 36}
